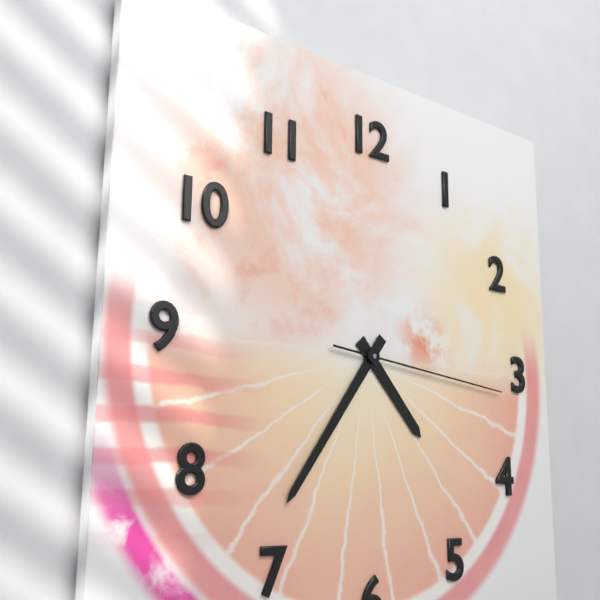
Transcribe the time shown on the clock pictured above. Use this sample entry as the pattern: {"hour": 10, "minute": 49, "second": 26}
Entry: {"hour": 4, "minute": 36, "second": 16}
